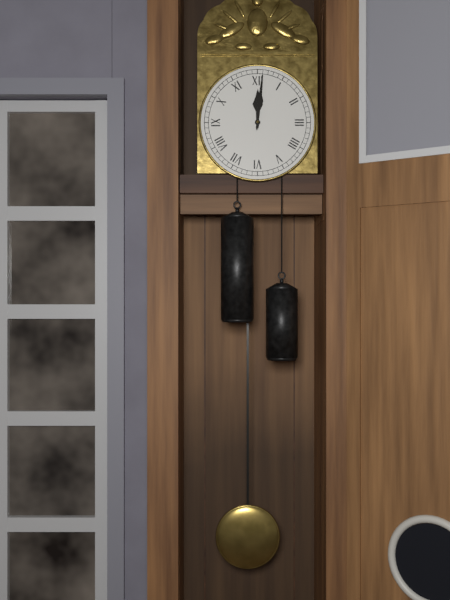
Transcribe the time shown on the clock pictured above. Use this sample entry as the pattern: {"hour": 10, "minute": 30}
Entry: {"hour": 12, "minute": 1}
